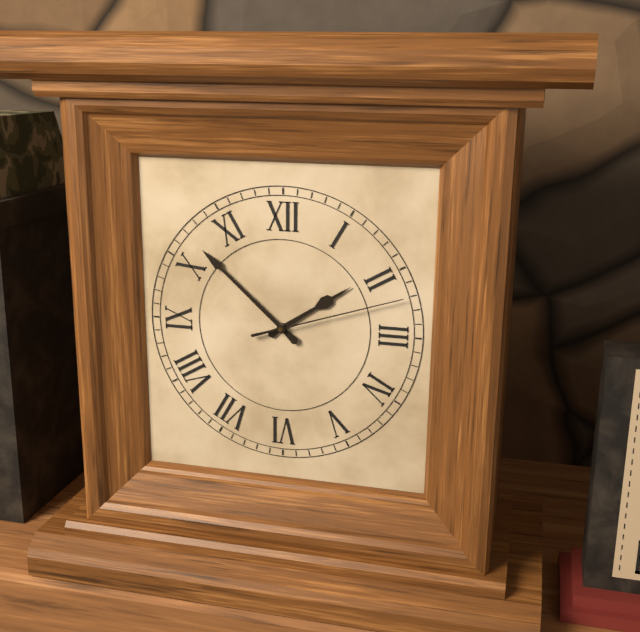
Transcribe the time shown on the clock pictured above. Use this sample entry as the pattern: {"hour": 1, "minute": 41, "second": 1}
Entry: {"hour": 1, "minute": 52, "second": 12}
